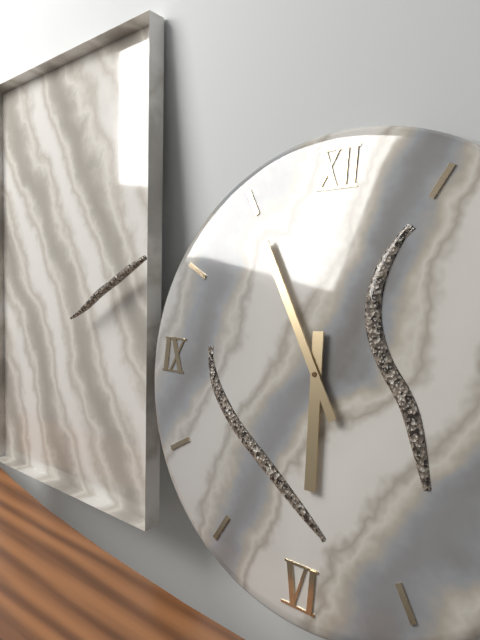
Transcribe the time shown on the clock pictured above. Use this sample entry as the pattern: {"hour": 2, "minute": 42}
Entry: {"hour": 5, "minute": 55}
